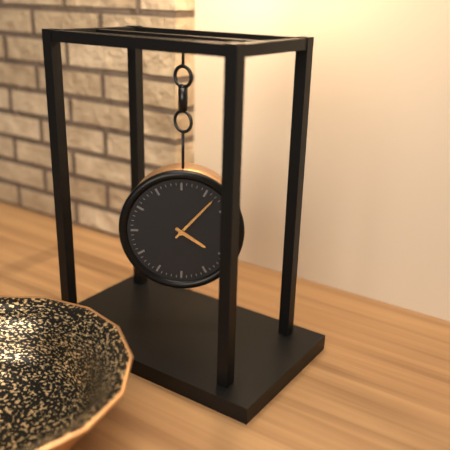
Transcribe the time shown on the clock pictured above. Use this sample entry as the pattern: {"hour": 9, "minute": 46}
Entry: {"hour": 4, "minute": 7}
